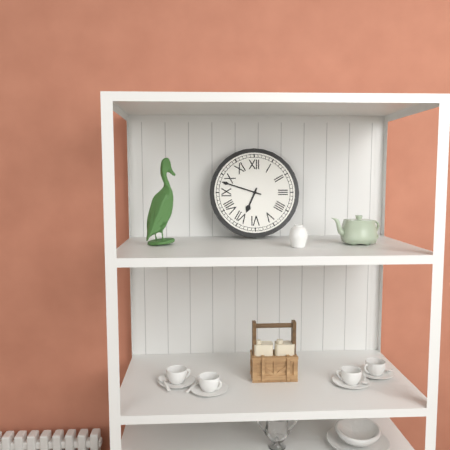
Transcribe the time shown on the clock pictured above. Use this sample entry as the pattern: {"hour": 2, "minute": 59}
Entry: {"hour": 6, "minute": 48}
